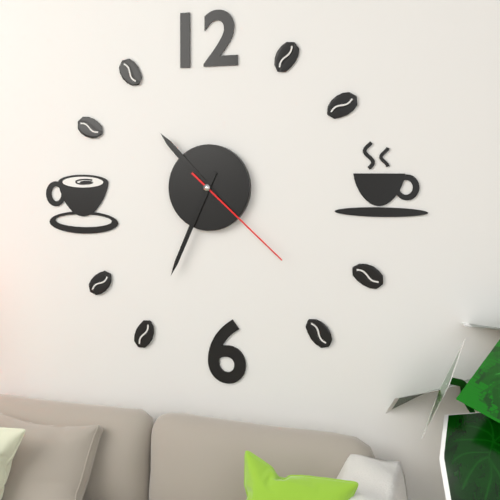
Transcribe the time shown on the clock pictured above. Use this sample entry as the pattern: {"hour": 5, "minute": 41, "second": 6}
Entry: {"hour": 10, "minute": 34, "second": 22}
